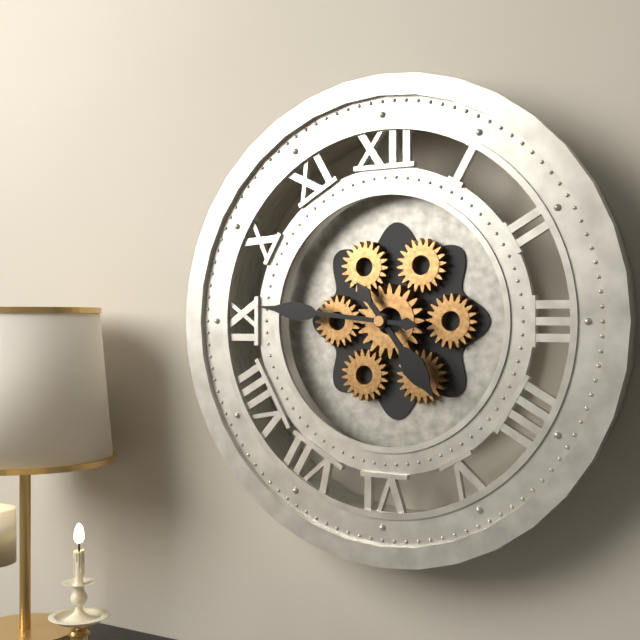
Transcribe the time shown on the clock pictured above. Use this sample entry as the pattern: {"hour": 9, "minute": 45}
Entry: {"hour": 4, "minute": 46}
